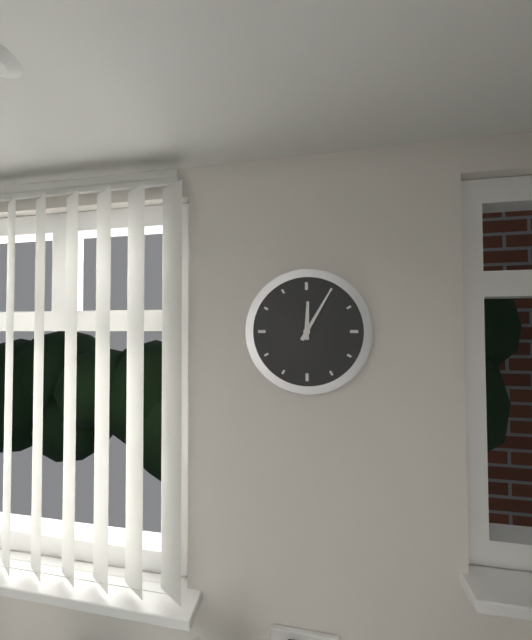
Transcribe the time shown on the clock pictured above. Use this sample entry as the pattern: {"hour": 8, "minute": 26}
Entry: {"hour": 12, "minute": 5}
